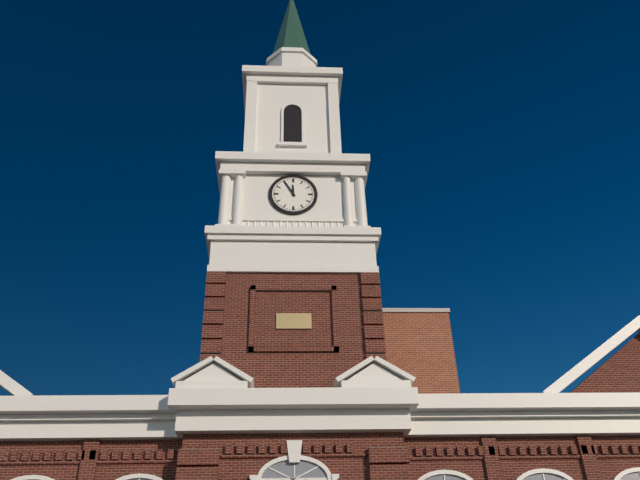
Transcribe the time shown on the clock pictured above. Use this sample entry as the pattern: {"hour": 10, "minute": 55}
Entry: {"hour": 11, "minute": 55}
